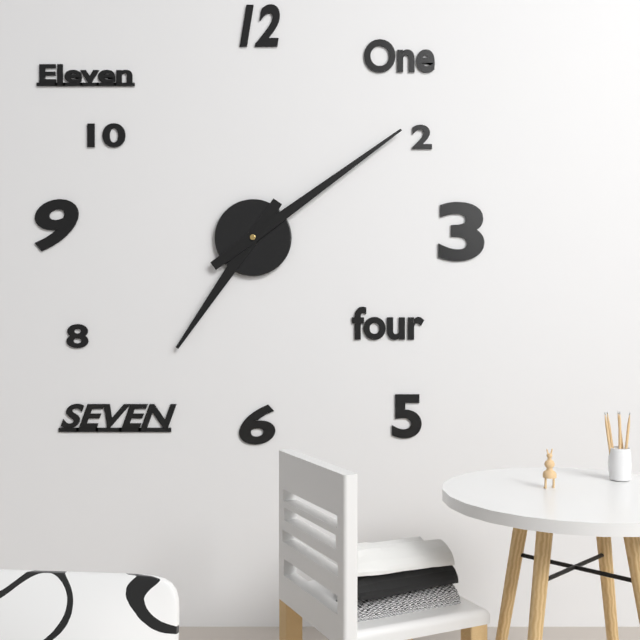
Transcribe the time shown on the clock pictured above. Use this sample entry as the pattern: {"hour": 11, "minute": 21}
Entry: {"hour": 7, "minute": 9}
